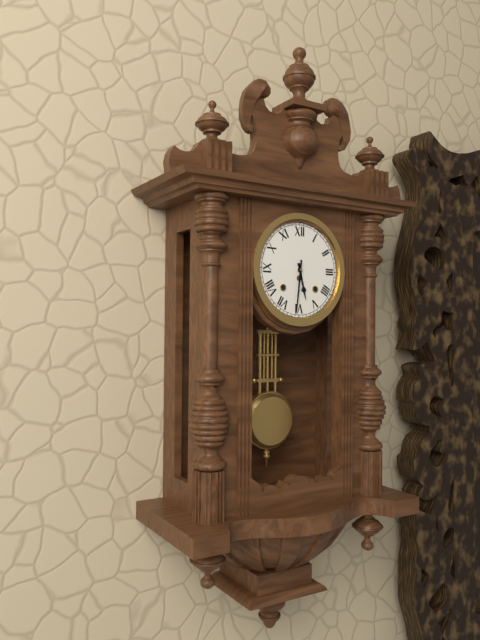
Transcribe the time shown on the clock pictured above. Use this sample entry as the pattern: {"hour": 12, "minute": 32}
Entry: {"hour": 5, "minute": 31}
